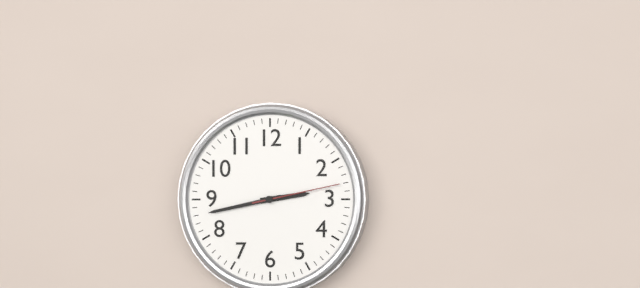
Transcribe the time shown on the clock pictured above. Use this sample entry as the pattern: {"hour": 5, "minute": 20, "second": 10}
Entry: {"hour": 2, "minute": 43, "second": 13}
